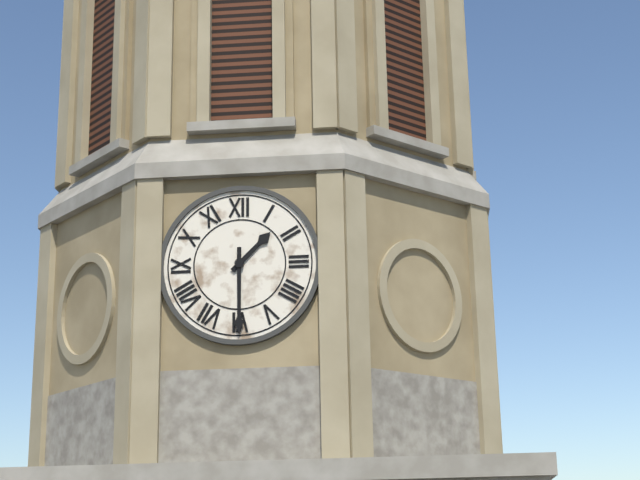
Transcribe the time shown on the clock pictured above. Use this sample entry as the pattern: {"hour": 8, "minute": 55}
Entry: {"hour": 1, "minute": 30}
